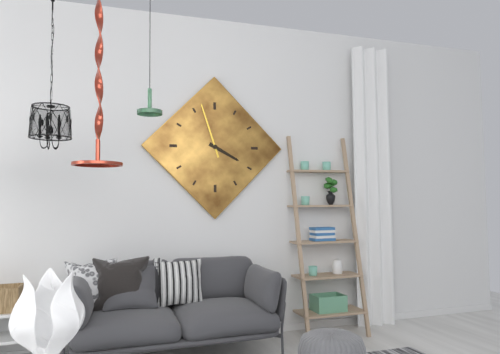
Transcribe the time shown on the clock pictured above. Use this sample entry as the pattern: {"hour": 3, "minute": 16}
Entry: {"hour": 3, "minute": 57}
